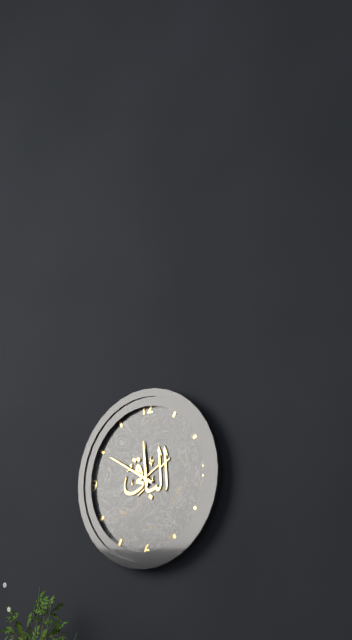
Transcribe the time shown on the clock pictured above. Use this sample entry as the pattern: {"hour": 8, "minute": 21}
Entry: {"hour": 11, "minute": 50}
